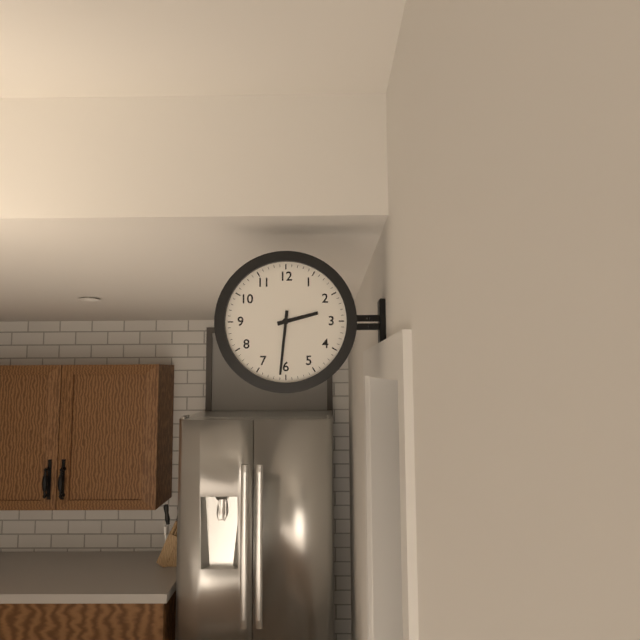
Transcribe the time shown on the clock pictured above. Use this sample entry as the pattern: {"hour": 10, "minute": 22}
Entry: {"hour": 2, "minute": 31}
